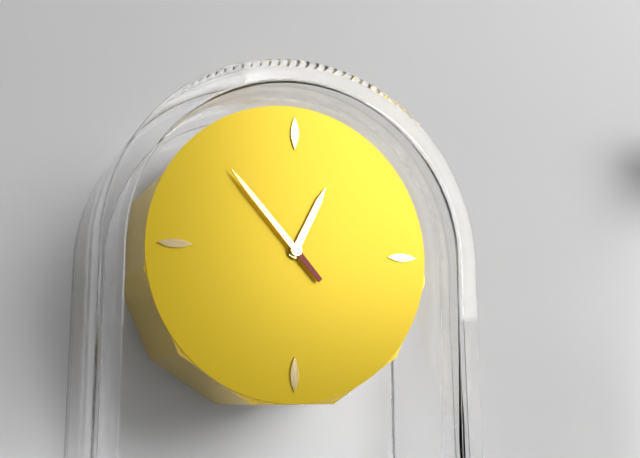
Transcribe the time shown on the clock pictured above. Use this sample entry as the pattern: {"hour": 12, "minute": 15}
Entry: {"hour": 12, "minute": 53}
